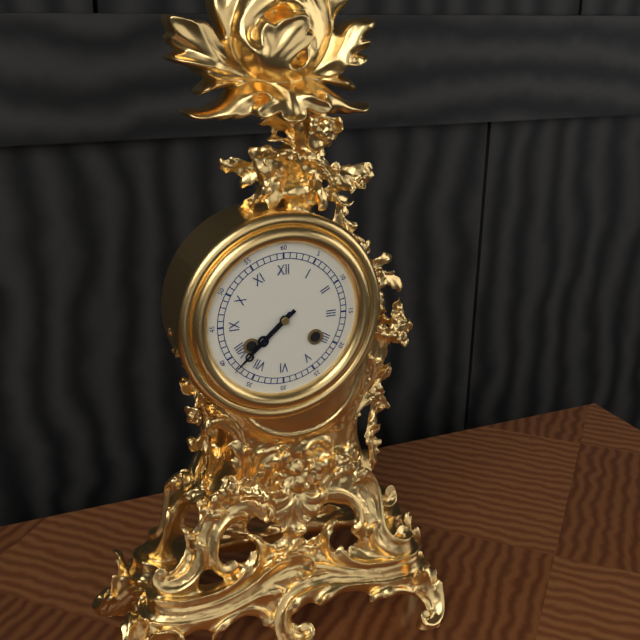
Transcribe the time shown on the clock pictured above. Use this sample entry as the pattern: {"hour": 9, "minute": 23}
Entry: {"hour": 7, "minute": 38}
